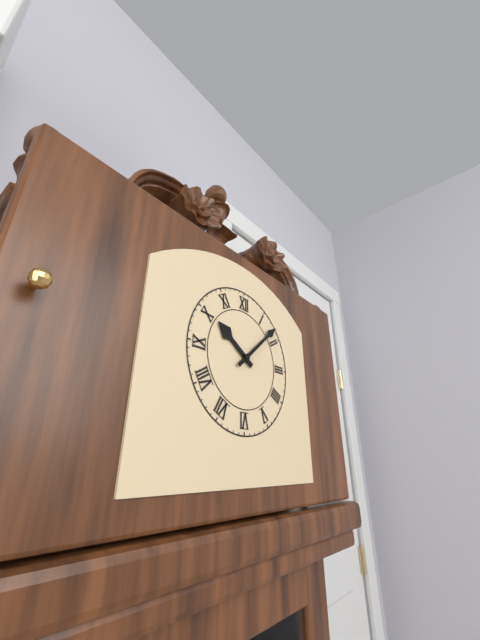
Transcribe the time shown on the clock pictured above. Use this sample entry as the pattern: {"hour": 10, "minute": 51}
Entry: {"hour": 10, "minute": 8}
